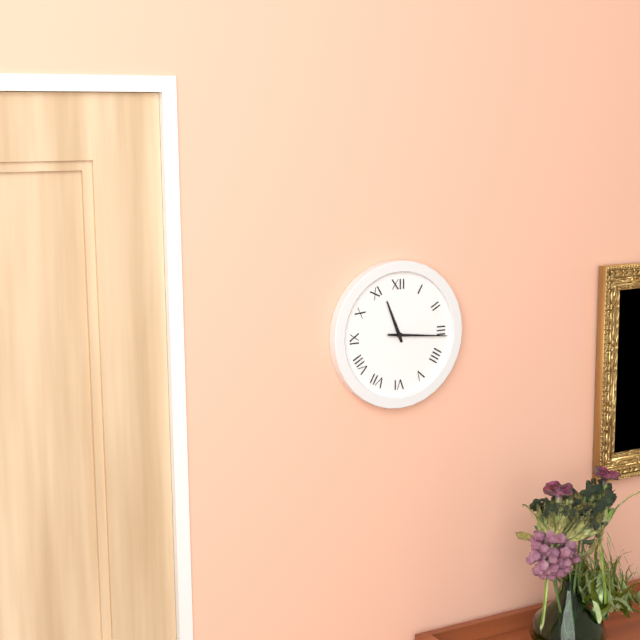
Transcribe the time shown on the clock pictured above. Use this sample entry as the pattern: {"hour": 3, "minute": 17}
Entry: {"hour": 11, "minute": 16}
